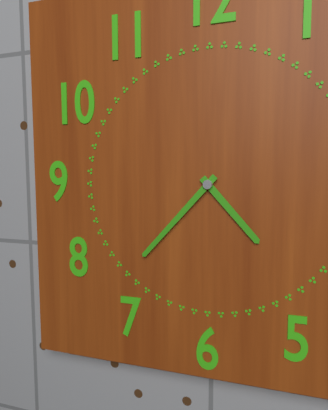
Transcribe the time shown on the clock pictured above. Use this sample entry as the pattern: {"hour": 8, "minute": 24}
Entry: {"hour": 4, "minute": 37}
